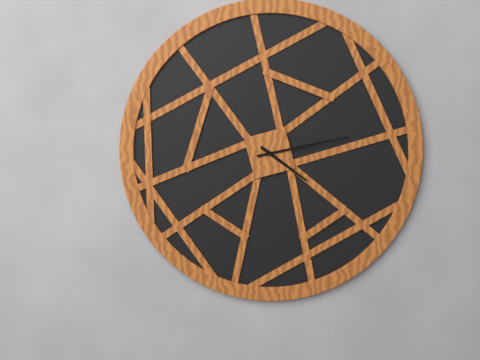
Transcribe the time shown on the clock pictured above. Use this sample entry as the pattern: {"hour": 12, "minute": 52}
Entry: {"hour": 4, "minute": 13}
